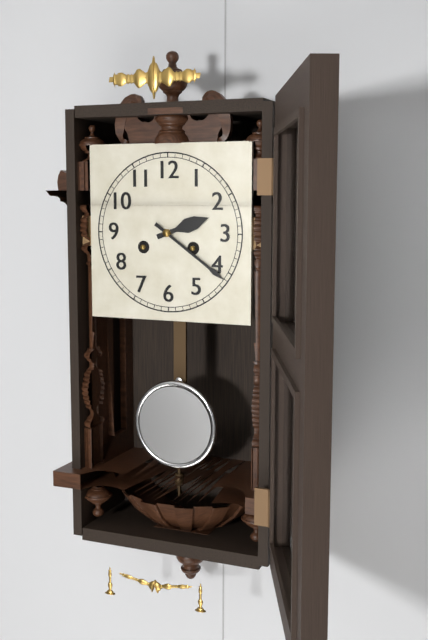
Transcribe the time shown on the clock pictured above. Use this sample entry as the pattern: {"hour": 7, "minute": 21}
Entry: {"hour": 2, "minute": 21}
